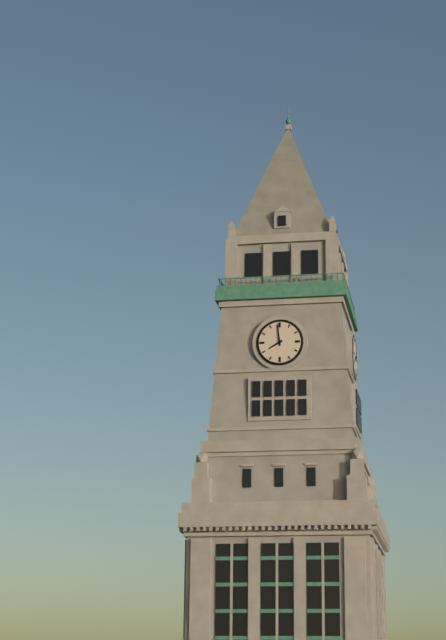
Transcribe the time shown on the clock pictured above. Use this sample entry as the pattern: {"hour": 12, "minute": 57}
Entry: {"hour": 7, "minute": 59}
